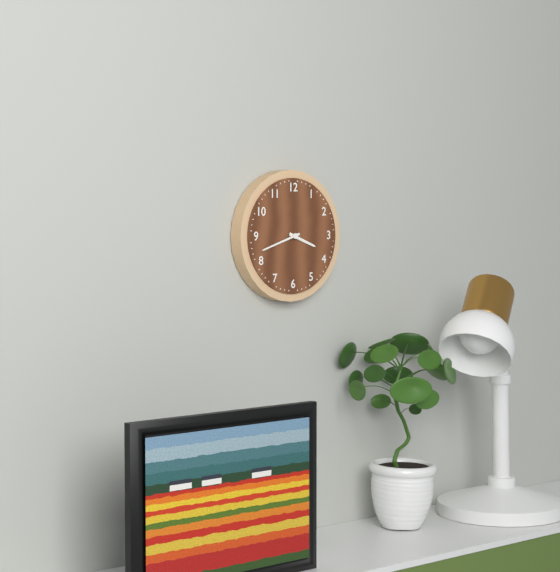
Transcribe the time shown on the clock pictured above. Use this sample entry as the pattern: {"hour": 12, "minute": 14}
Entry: {"hour": 3, "minute": 42}
